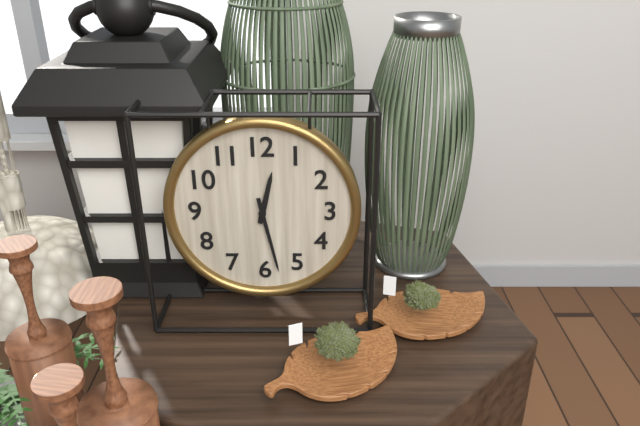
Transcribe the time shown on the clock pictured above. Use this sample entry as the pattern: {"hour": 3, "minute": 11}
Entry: {"hour": 12, "minute": 28}
